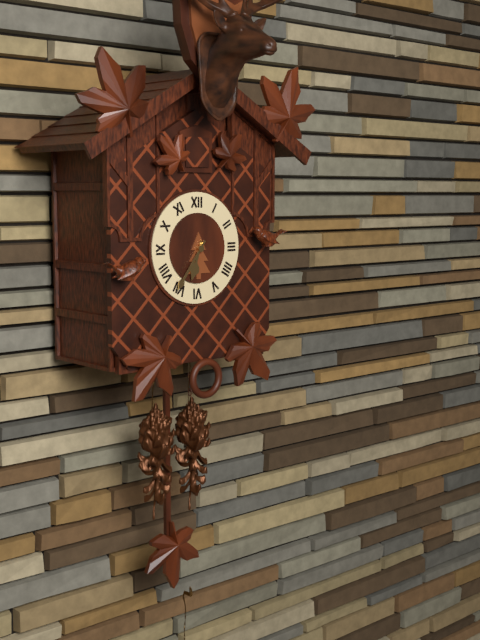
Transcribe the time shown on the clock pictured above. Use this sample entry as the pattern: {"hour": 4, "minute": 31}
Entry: {"hour": 6, "minute": 36}
